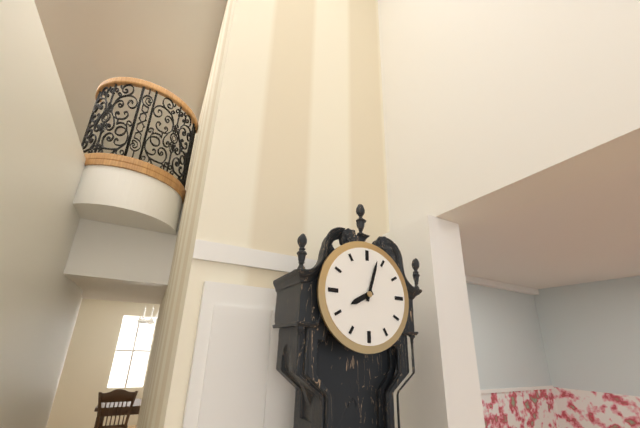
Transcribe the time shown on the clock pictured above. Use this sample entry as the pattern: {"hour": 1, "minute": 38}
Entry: {"hour": 8, "minute": 3}
